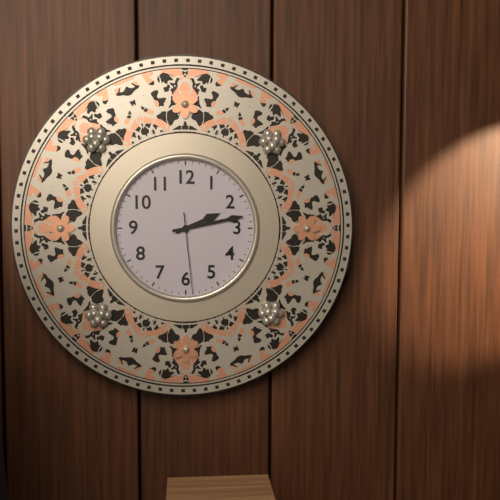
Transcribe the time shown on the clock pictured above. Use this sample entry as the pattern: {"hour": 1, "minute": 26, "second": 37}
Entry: {"hour": 2, "minute": 13, "second": 29}
